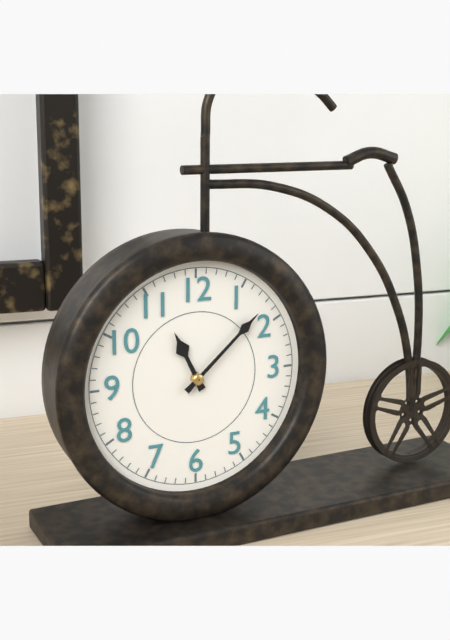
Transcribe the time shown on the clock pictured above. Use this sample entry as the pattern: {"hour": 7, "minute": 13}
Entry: {"hour": 11, "minute": 8}
